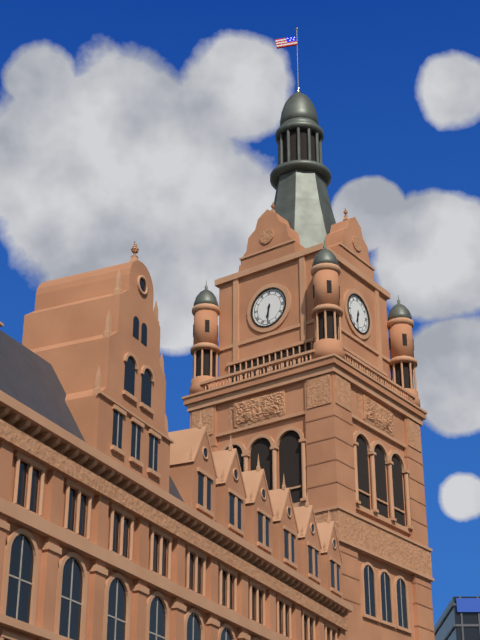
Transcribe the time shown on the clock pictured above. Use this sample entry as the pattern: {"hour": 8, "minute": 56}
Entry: {"hour": 6, "minute": 31}
